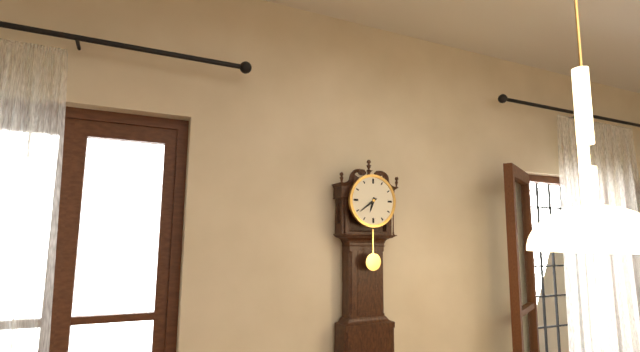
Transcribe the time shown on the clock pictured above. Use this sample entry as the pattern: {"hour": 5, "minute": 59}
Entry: {"hour": 6, "minute": 39}
